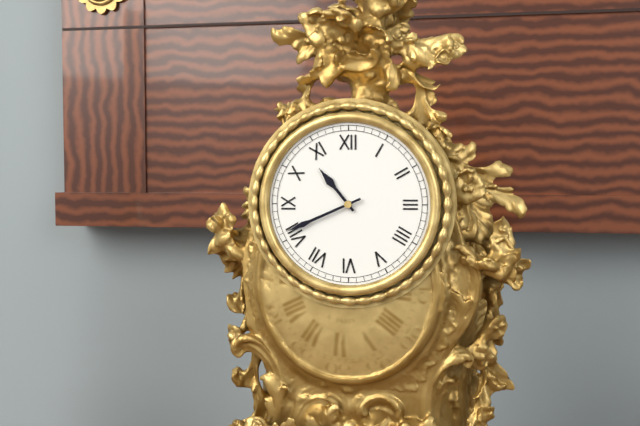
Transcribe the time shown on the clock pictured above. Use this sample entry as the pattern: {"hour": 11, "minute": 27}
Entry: {"hour": 10, "minute": 41}
